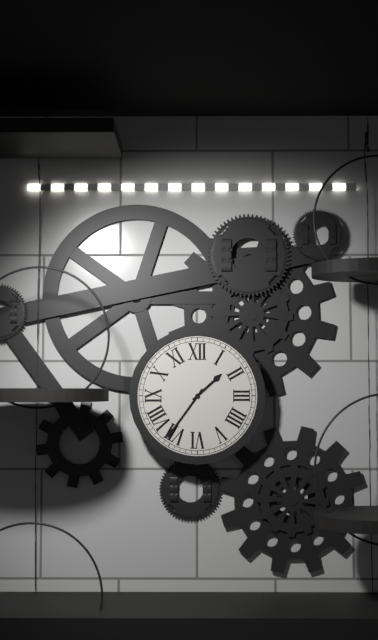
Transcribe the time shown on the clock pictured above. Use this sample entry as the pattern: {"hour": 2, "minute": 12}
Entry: {"hour": 1, "minute": 36}
